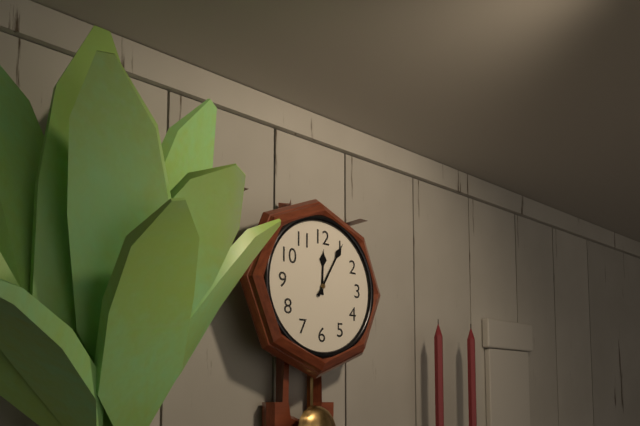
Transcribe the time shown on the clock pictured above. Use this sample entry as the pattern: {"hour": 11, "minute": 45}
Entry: {"hour": 12, "minute": 5}
